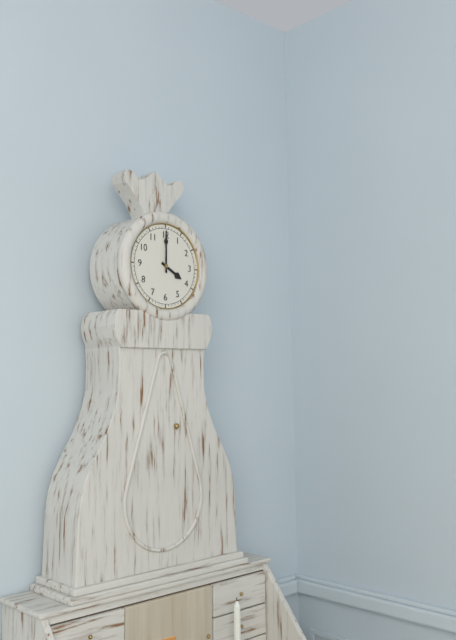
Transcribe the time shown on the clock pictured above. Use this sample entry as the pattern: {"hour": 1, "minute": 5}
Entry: {"hour": 4, "minute": 0}
